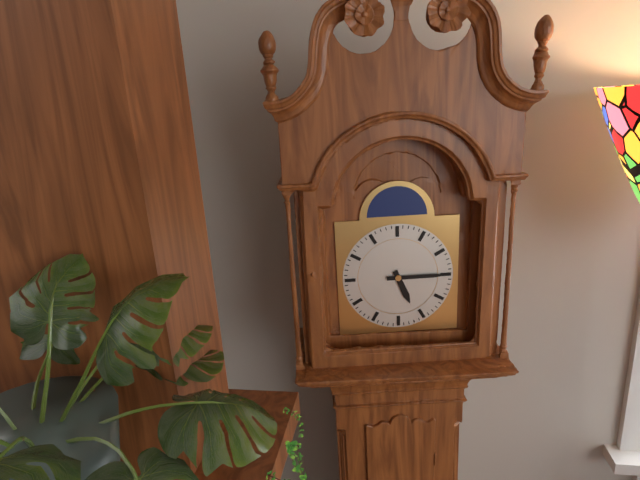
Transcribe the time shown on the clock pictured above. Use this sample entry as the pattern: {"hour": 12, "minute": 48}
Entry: {"hour": 5, "minute": 15}
